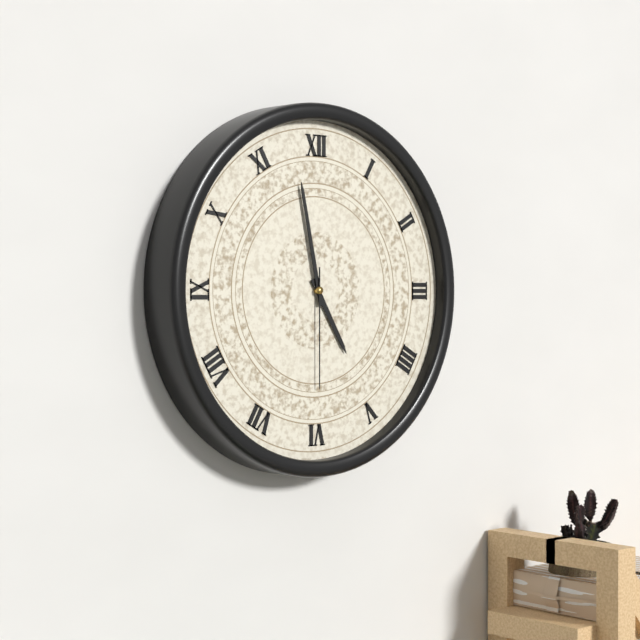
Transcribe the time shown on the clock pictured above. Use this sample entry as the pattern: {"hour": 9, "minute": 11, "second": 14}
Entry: {"hour": 4, "minute": 58, "second": 30}
